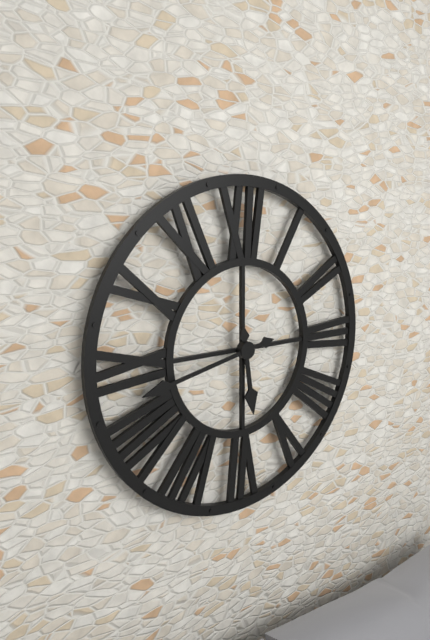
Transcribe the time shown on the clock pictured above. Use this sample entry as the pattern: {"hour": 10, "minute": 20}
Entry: {"hour": 5, "minute": 43}
